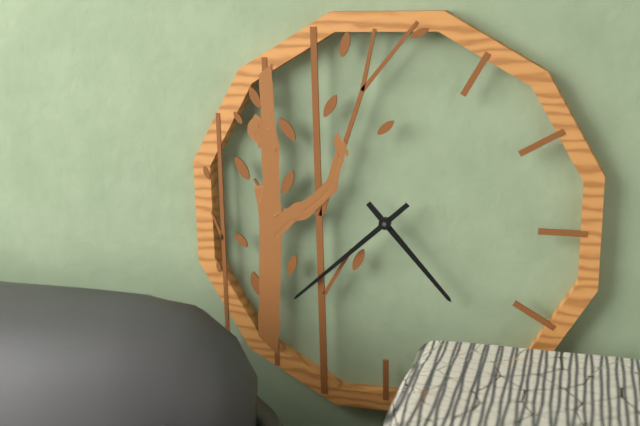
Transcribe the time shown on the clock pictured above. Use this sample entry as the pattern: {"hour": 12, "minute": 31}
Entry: {"hour": 4, "minute": 38}
